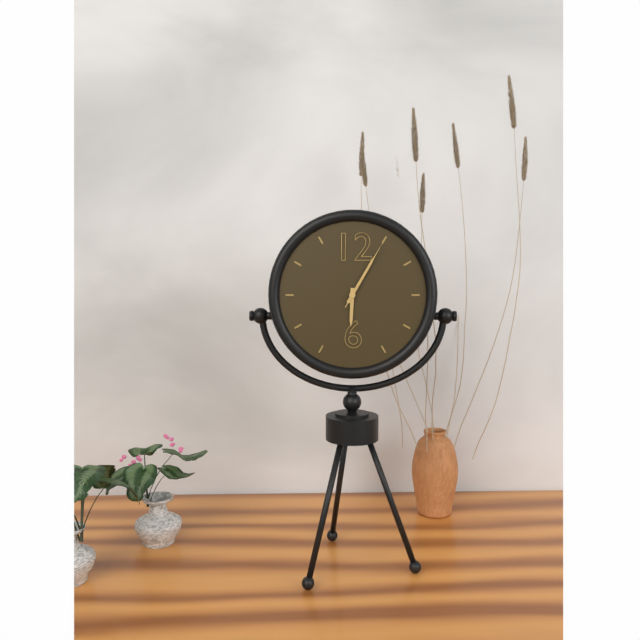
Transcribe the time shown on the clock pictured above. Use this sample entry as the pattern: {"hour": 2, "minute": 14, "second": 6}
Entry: {"hour": 6, "minute": 5, "second": 5}
